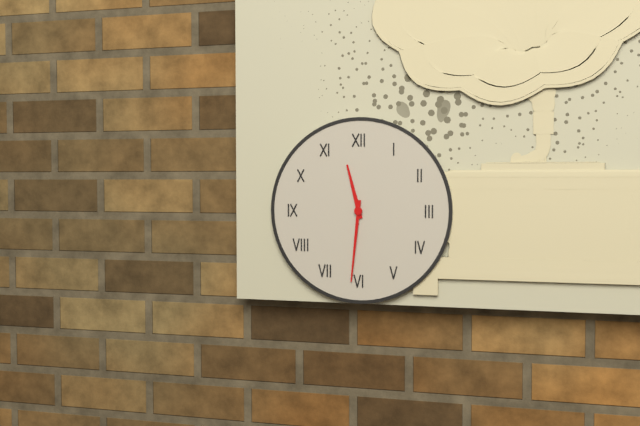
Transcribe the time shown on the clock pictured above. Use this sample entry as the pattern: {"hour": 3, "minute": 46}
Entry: {"hour": 11, "minute": 31}
